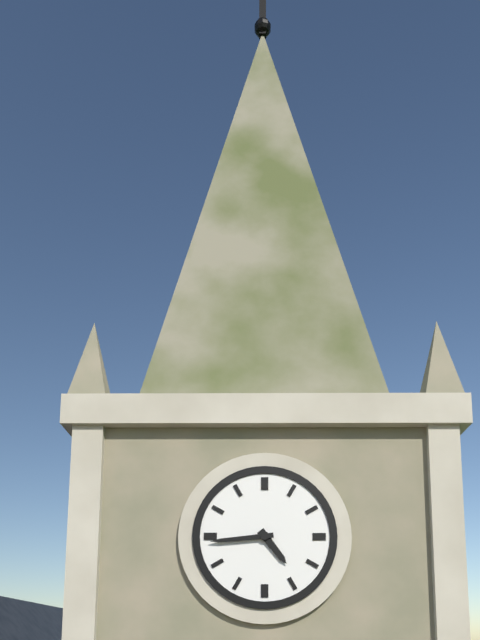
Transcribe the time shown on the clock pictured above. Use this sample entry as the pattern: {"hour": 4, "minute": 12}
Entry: {"hour": 4, "minute": 44}
